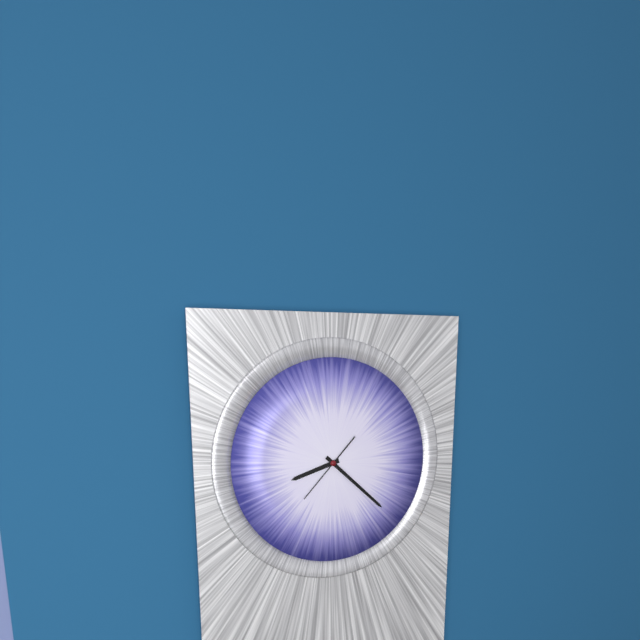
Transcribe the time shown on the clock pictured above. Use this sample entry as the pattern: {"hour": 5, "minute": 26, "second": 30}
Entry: {"hour": 8, "minute": 22, "second": 37}
